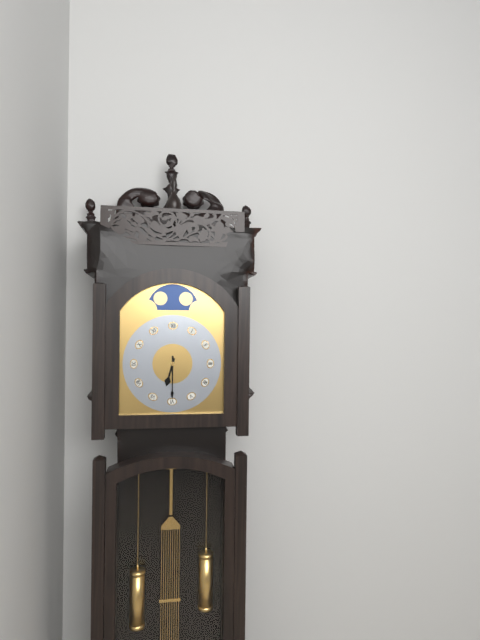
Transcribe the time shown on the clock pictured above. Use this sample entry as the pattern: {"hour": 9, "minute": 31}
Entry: {"hour": 6, "minute": 30}
